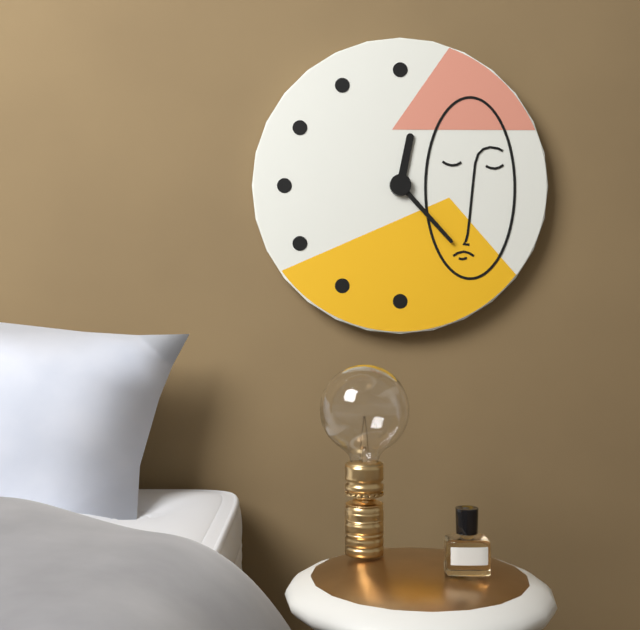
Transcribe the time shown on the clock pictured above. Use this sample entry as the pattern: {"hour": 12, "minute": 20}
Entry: {"hour": 12, "minute": 23}
